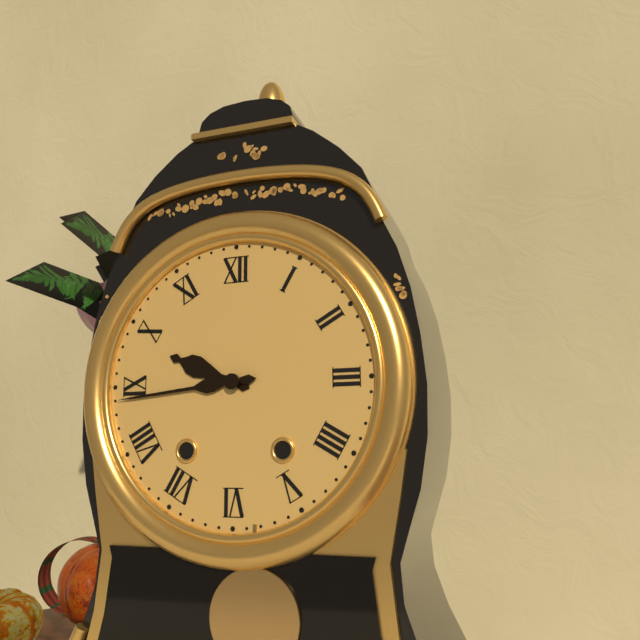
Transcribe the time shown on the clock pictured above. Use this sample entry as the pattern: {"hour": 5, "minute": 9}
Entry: {"hour": 9, "minute": 44}
